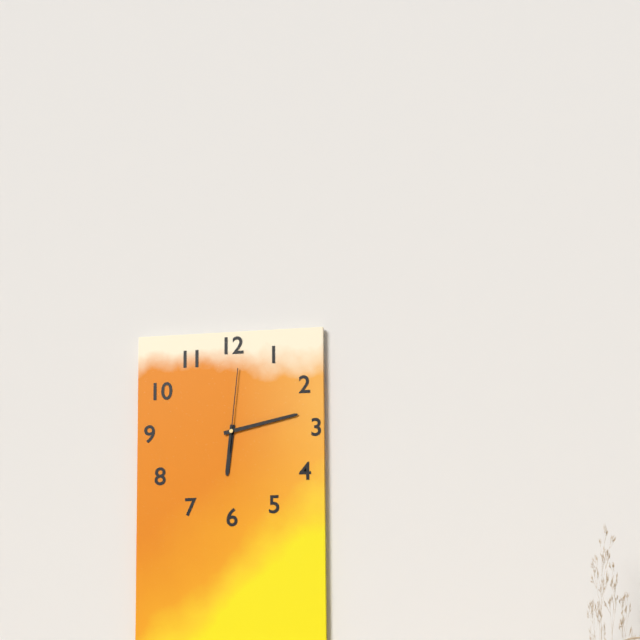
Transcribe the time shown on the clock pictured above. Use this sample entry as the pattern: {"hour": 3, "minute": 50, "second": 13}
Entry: {"hour": 6, "minute": 13, "second": 1}
